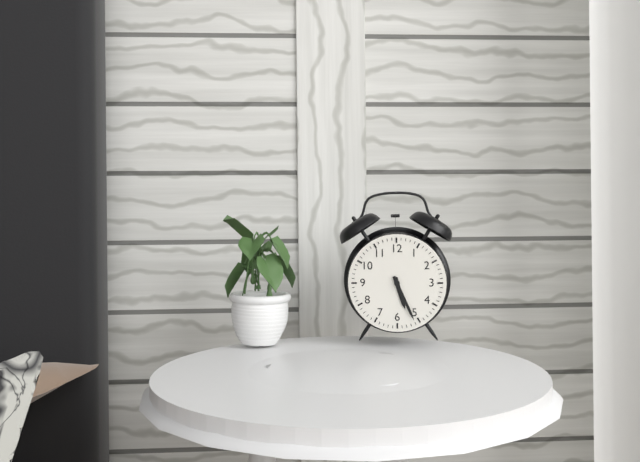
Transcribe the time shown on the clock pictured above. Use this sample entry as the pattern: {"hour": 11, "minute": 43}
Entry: {"hour": 5, "minute": 26}
